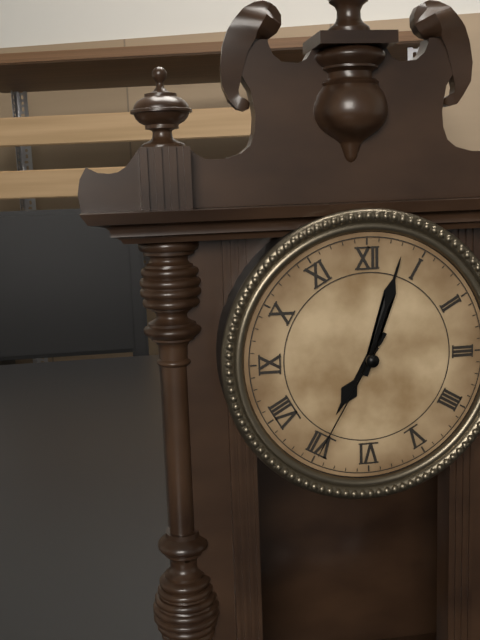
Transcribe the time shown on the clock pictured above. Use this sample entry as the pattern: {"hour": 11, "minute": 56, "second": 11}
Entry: {"hour": 7, "minute": 3, "second": 35}
